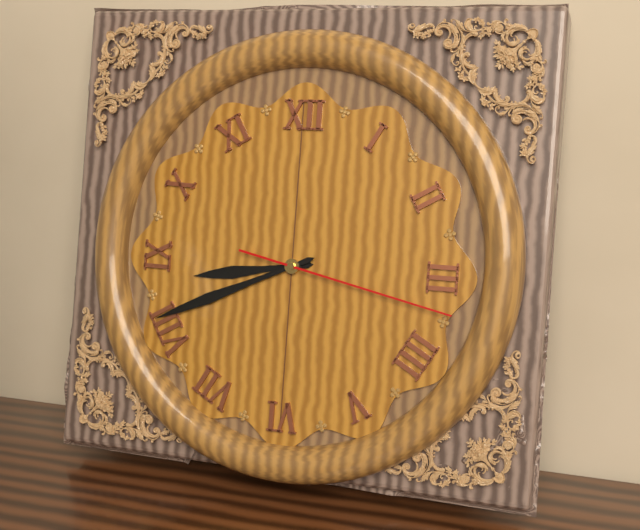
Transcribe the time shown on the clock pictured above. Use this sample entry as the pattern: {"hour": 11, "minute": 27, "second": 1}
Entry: {"hour": 8, "minute": 41, "second": 17}
